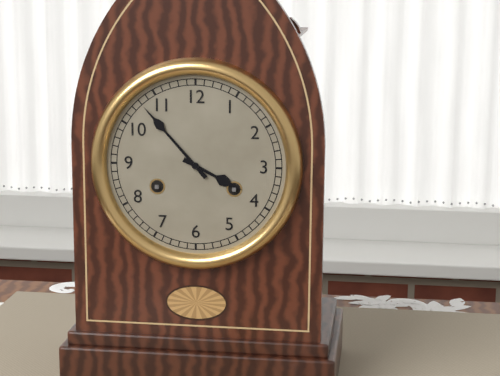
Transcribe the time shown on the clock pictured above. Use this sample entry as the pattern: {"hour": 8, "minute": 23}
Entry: {"hour": 3, "minute": 53}
